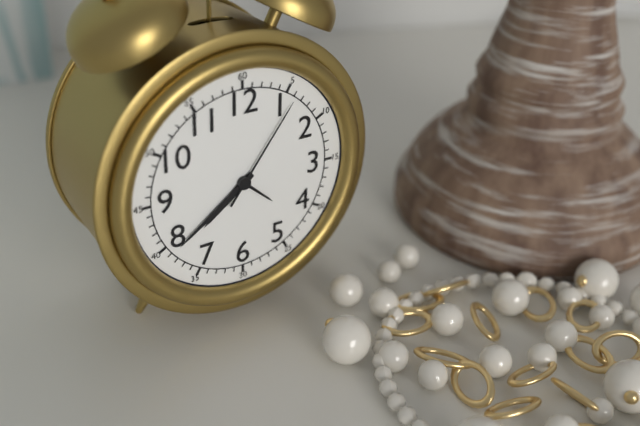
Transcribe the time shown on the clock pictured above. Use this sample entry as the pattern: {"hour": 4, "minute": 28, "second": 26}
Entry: {"hour": 7, "minute": 39, "second": 6}
